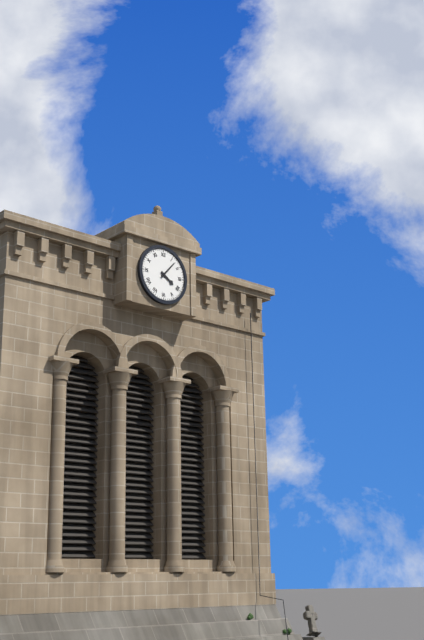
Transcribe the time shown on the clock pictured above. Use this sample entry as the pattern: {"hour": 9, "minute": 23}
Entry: {"hour": 4, "minute": 7}
